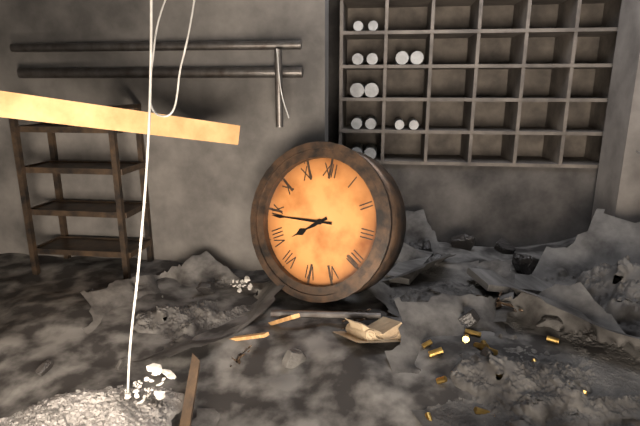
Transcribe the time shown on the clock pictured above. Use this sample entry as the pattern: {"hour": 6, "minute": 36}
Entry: {"hour": 7, "minute": 44}
